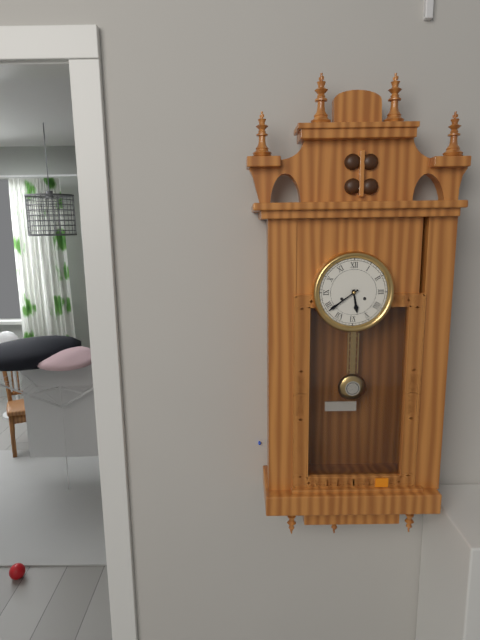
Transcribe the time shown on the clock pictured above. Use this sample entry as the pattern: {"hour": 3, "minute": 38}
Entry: {"hour": 5, "minute": 39}
